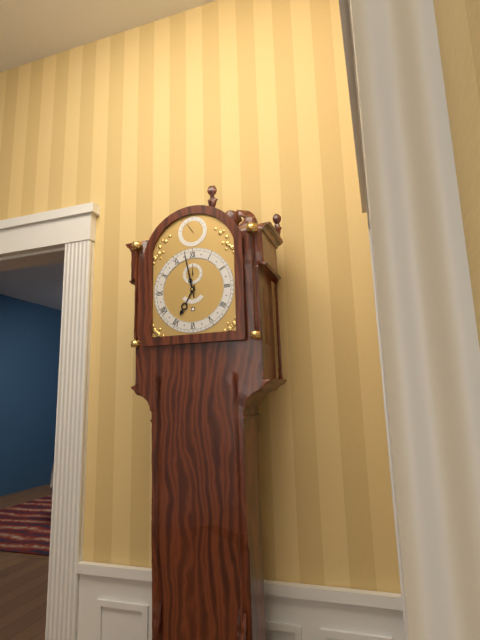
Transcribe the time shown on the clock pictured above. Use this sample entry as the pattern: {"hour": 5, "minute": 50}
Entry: {"hour": 6, "minute": 58}
